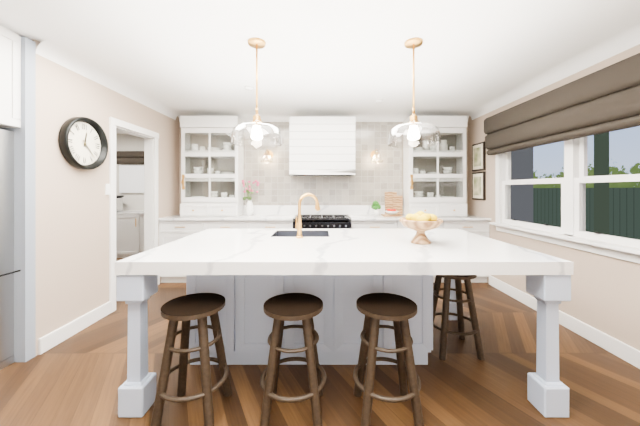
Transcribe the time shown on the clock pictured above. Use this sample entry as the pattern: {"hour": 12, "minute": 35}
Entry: {"hour": 12, "minute": 23}
